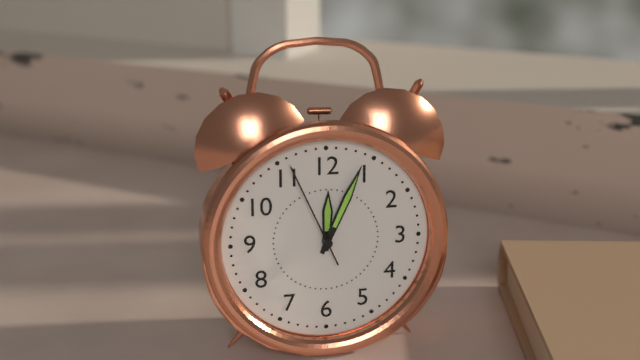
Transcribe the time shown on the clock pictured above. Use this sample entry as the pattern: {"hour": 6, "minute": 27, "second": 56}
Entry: {"hour": 12, "minute": 4, "second": 56}
